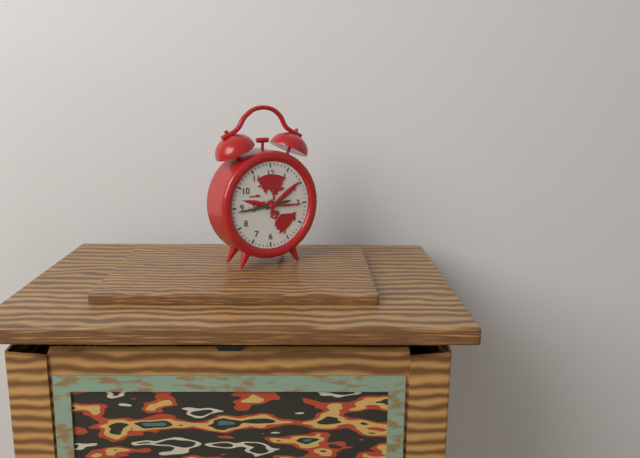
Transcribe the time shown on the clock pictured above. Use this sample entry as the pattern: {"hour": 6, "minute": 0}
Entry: {"hour": 2, "minute": 44}
